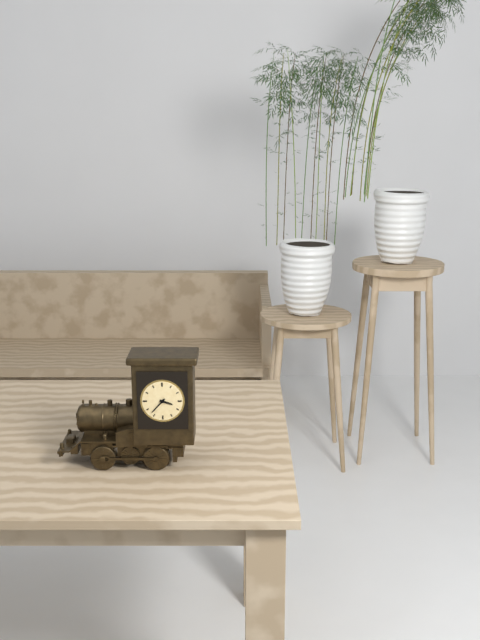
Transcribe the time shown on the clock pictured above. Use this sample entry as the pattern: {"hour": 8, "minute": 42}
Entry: {"hour": 3, "minute": 37}
